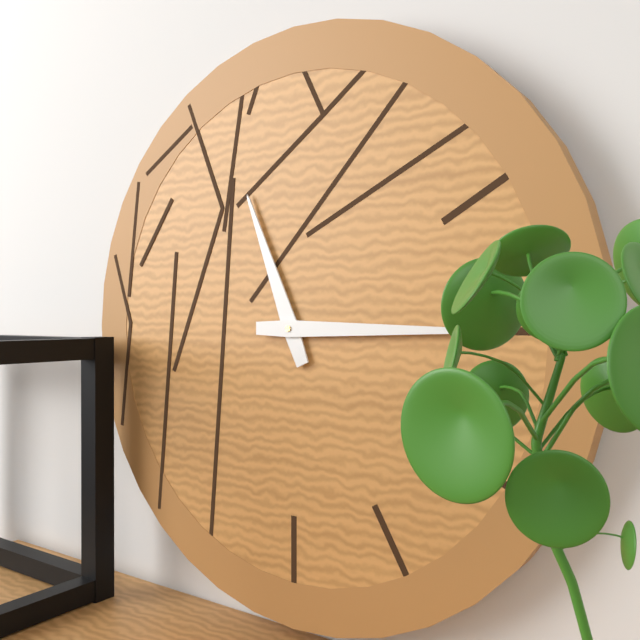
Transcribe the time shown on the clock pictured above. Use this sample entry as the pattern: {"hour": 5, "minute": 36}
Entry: {"hour": 11, "minute": 15}
